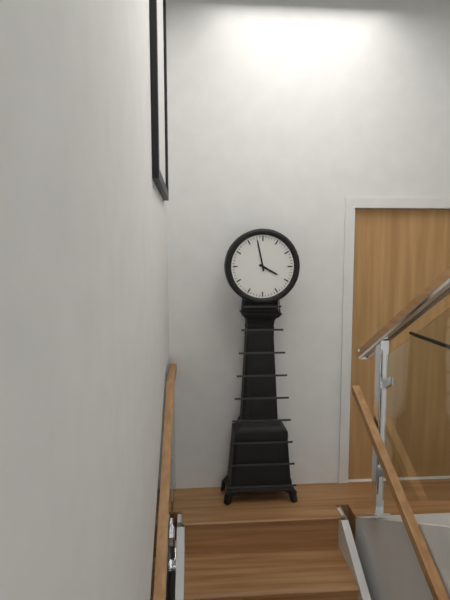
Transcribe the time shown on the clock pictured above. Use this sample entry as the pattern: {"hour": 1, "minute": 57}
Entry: {"hour": 3, "minute": 58}
